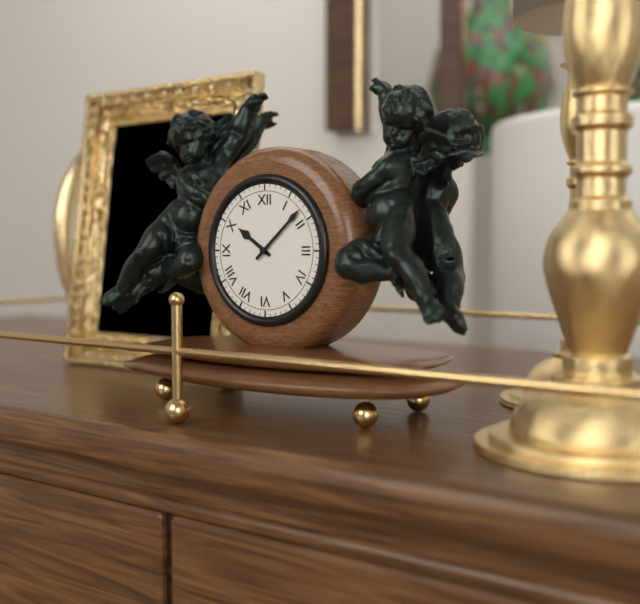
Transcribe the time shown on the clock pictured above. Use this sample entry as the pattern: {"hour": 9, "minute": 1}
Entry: {"hour": 10, "minute": 8}
